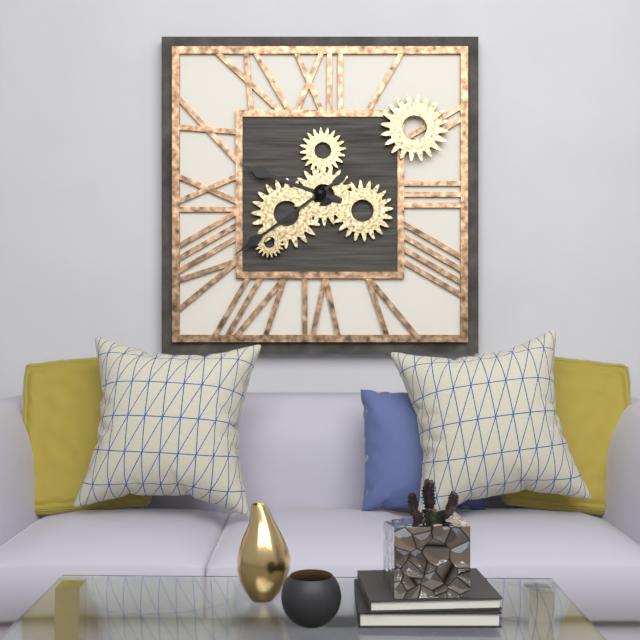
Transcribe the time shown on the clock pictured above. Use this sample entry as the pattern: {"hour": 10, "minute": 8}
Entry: {"hour": 9, "minute": 39}
